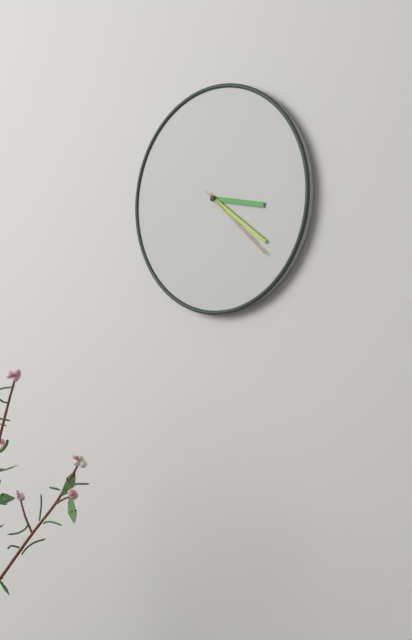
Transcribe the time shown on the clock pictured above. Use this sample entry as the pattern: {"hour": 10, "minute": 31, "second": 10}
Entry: {"hour": 3, "minute": 21, "second": 22}
